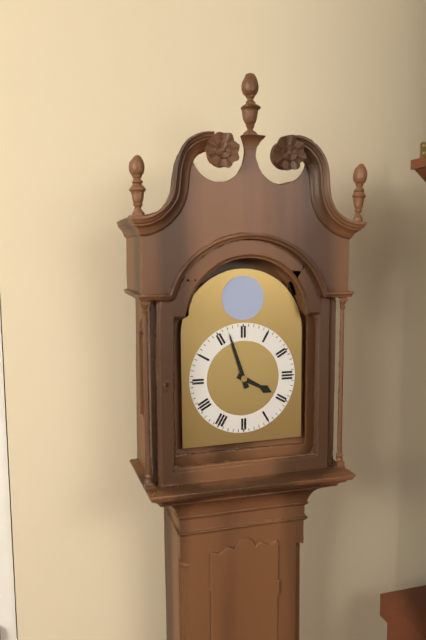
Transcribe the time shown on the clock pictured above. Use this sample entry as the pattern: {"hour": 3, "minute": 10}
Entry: {"hour": 3, "minute": 57}
